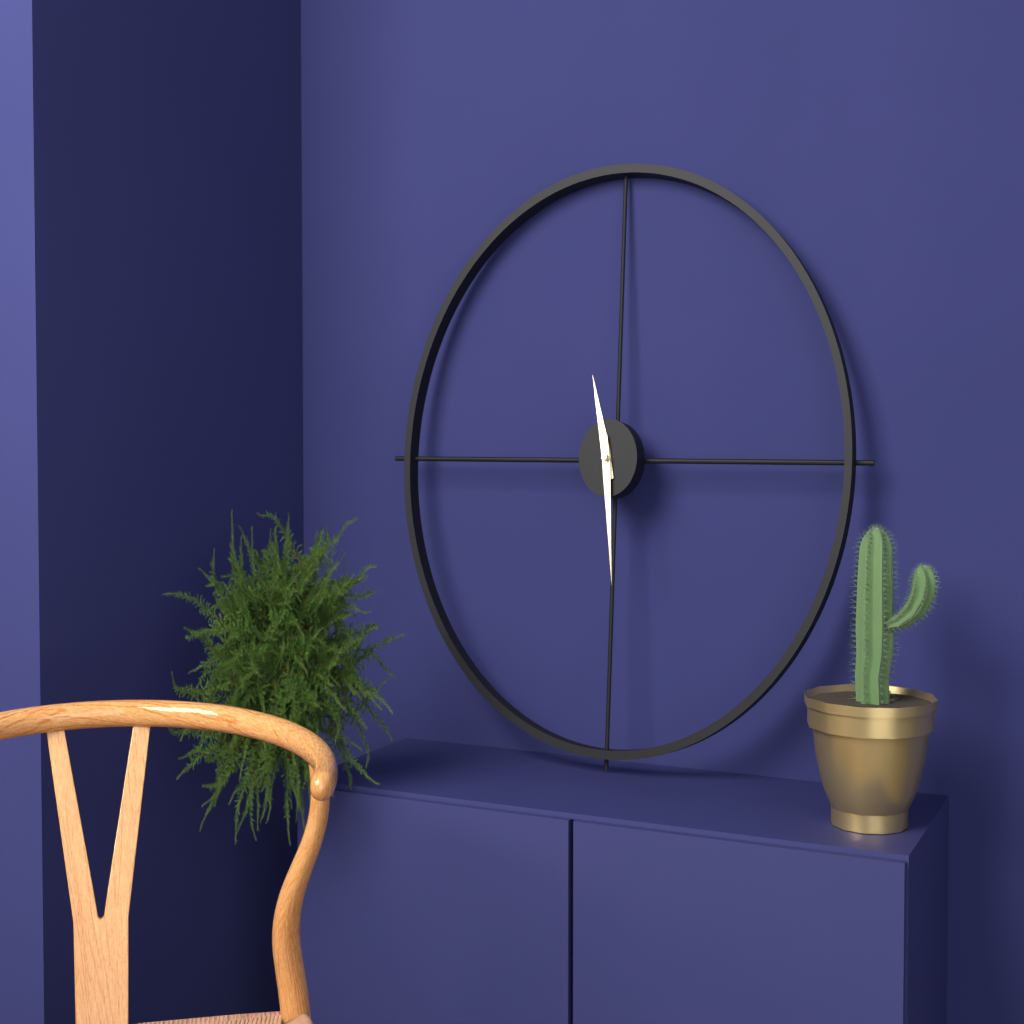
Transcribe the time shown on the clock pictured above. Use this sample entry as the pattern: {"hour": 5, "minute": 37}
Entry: {"hour": 11, "minute": 29}
